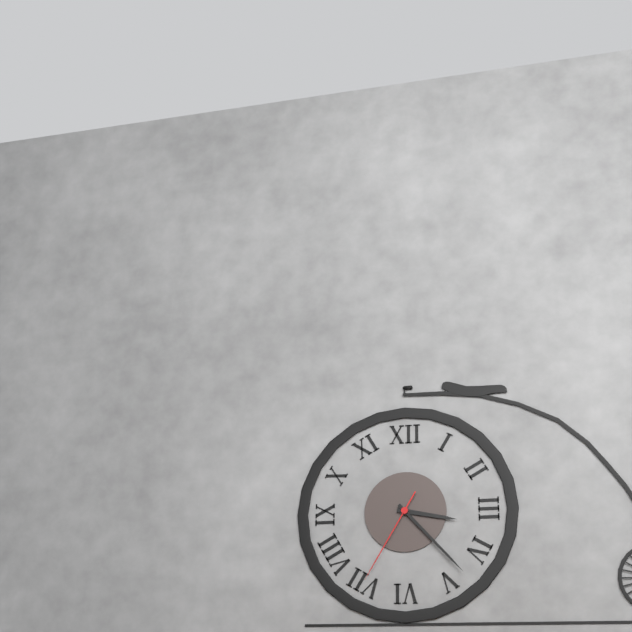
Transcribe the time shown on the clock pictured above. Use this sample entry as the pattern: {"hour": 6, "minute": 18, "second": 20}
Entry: {"hour": 3, "minute": 23, "second": 35}
